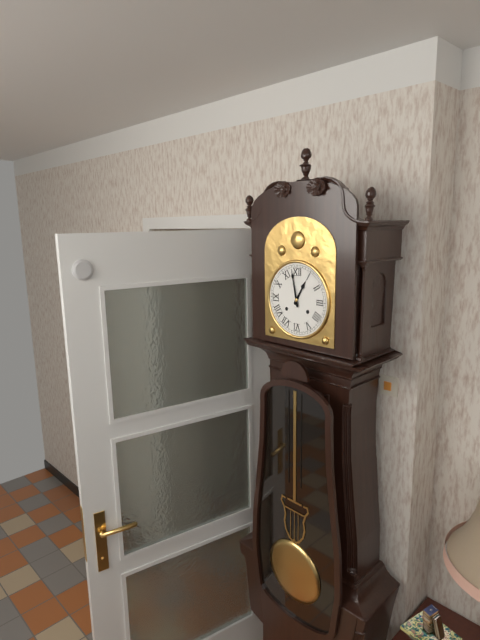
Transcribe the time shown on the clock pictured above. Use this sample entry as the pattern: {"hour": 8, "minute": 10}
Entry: {"hour": 12, "minute": 58}
